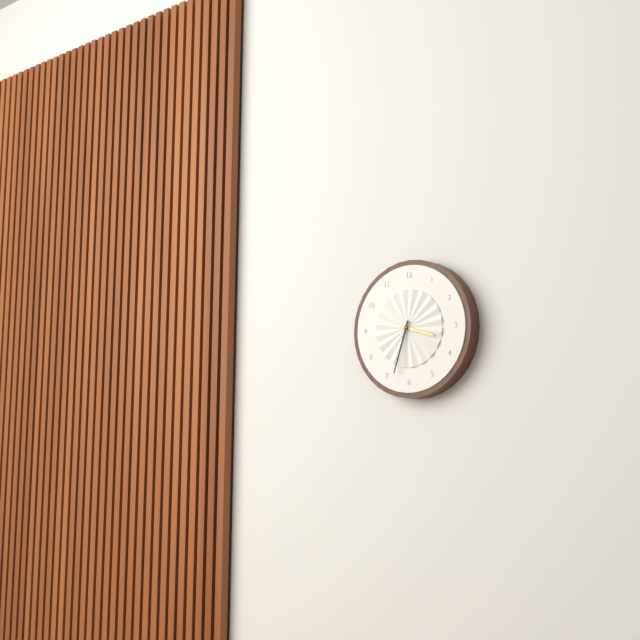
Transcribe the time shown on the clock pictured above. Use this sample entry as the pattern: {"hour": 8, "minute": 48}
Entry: {"hour": 3, "minute": 33}
